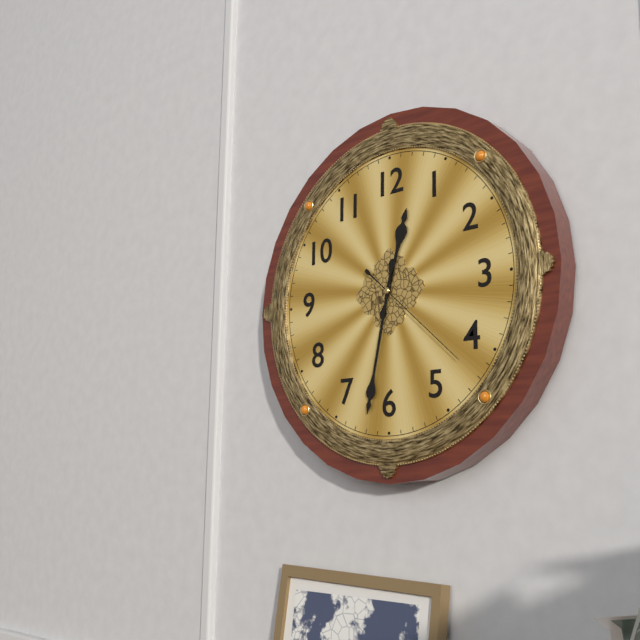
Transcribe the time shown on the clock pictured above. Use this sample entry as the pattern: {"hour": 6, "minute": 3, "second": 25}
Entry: {"hour": 12, "minute": 32, "second": 22}
